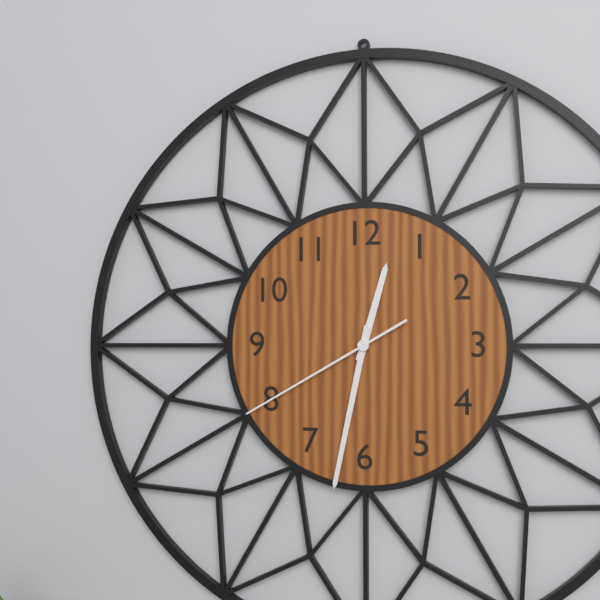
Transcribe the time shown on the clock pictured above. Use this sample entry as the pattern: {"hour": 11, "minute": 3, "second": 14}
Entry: {"hour": 12, "minute": 32, "second": 40}
